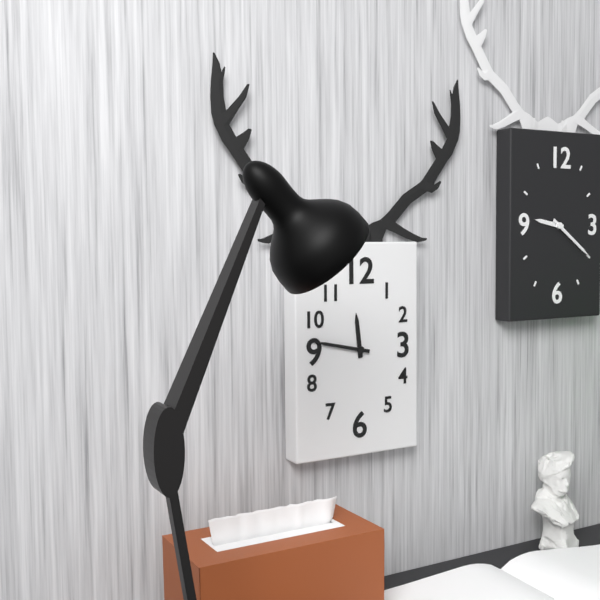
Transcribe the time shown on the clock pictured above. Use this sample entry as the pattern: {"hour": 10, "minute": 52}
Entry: {"hour": 11, "minute": 47}
